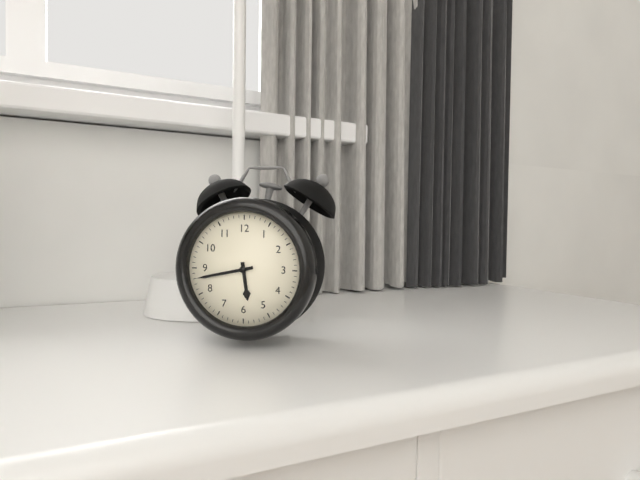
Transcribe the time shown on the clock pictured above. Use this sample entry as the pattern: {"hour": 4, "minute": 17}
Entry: {"hour": 5, "minute": 43}
